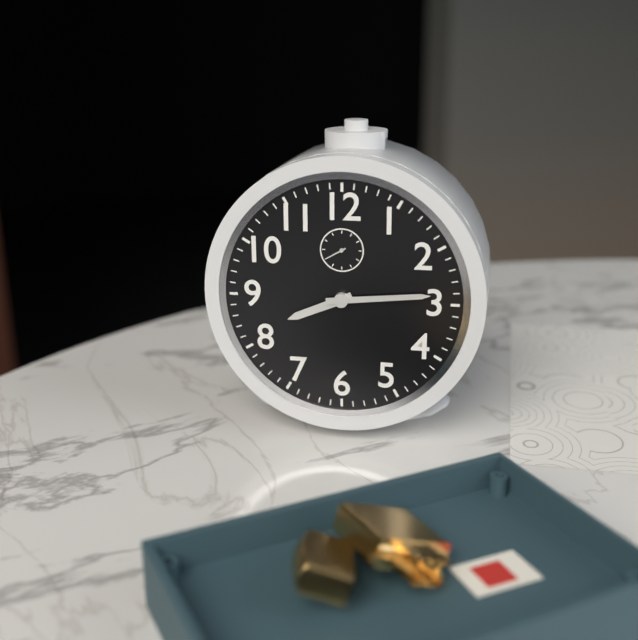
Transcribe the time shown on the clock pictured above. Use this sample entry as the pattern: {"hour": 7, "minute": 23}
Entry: {"hour": 8, "minute": 14}
